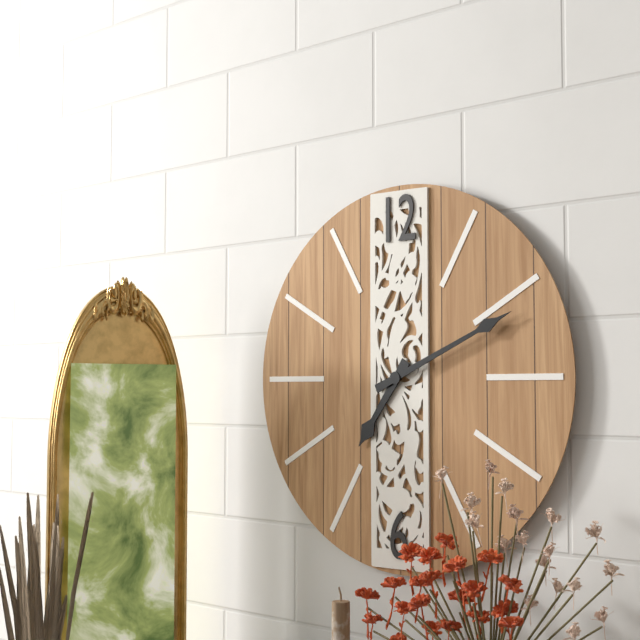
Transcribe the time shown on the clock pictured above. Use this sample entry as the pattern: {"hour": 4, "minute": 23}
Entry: {"hour": 7, "minute": 11}
